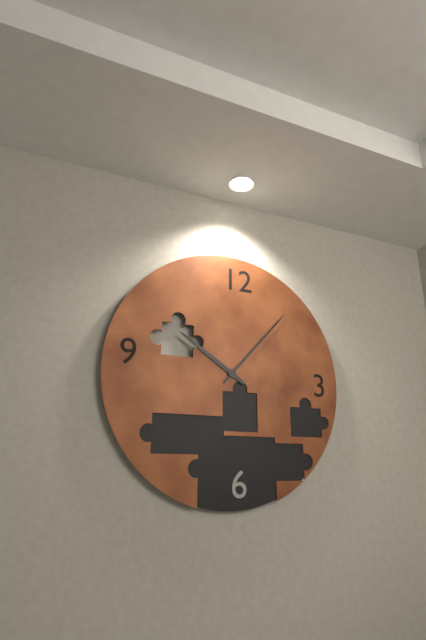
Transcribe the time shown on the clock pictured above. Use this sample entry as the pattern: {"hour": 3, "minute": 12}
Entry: {"hour": 10, "minute": 7}
